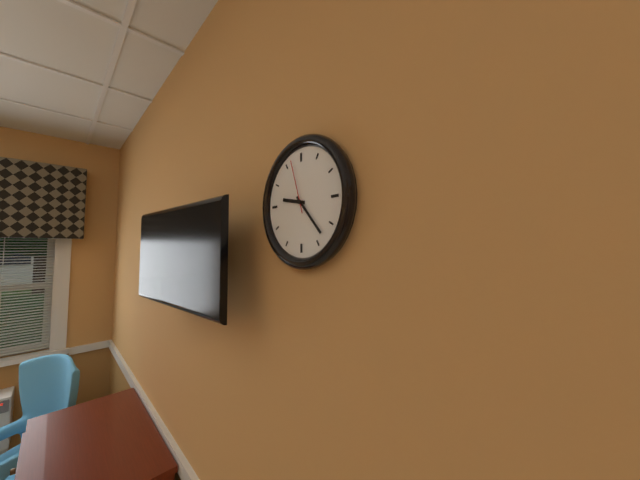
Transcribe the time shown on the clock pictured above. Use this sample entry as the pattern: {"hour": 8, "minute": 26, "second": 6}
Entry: {"hour": 9, "minute": 23, "second": 57}
